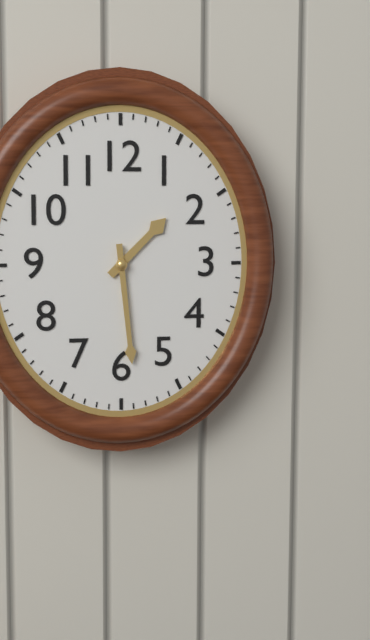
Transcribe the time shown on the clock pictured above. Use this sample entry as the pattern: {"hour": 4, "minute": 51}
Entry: {"hour": 1, "minute": 29}
